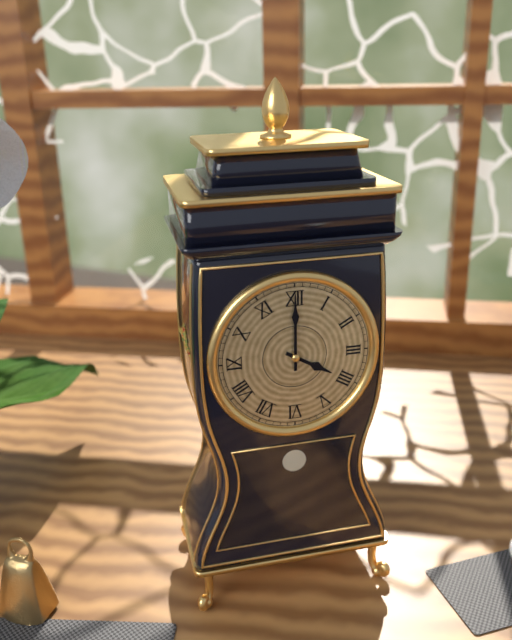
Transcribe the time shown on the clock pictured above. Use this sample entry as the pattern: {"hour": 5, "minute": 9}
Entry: {"hour": 4, "minute": 0}
